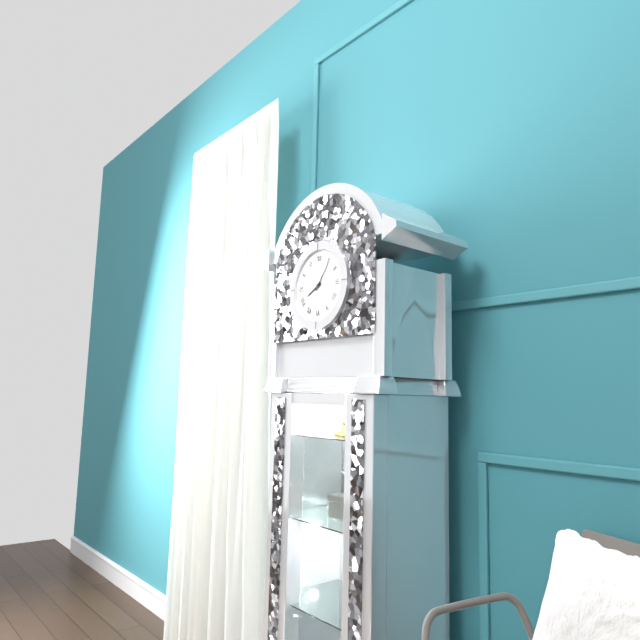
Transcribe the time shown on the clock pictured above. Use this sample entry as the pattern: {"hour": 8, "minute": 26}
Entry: {"hour": 8, "minute": 6}
